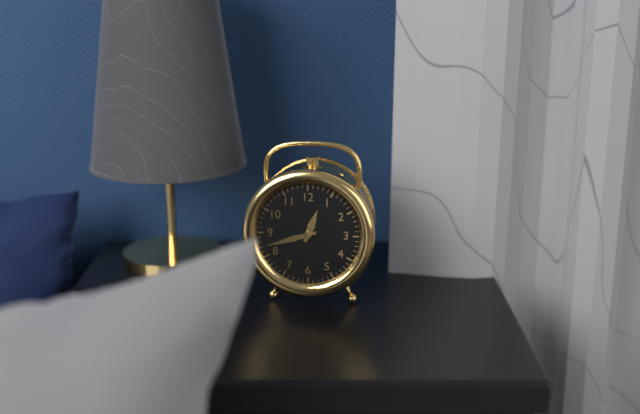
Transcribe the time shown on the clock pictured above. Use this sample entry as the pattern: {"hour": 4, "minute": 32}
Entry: {"hour": 12, "minute": 42}
